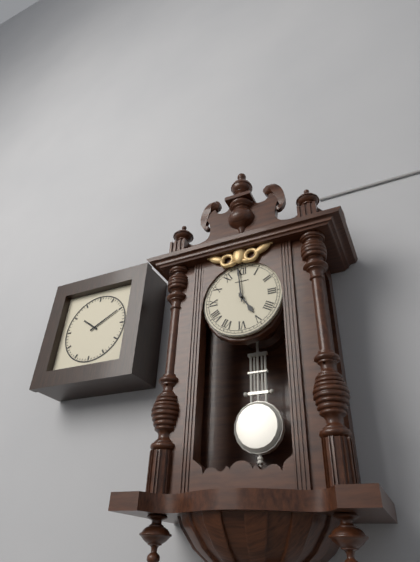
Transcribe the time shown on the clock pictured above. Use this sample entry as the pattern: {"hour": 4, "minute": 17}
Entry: {"hour": 4, "minute": 59}
